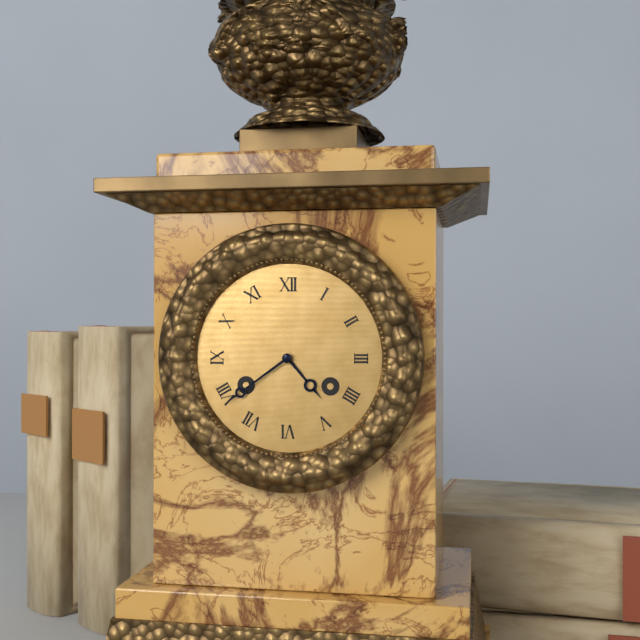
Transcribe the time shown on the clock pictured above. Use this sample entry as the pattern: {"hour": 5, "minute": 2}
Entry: {"hour": 4, "minute": 39}
